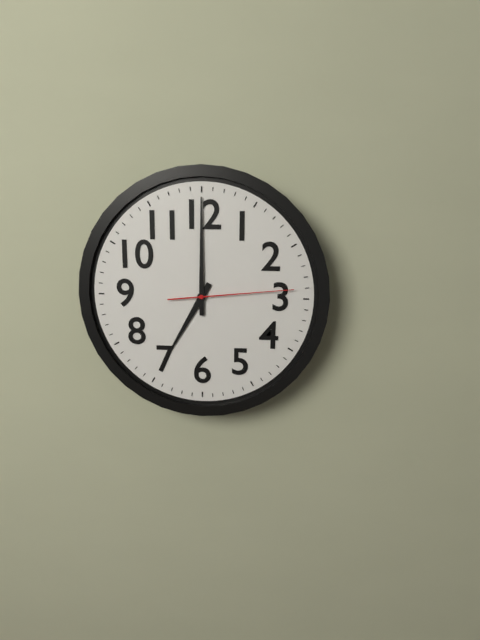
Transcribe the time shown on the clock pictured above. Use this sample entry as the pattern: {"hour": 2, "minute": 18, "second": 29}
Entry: {"hour": 7, "minute": 0, "second": 14}
